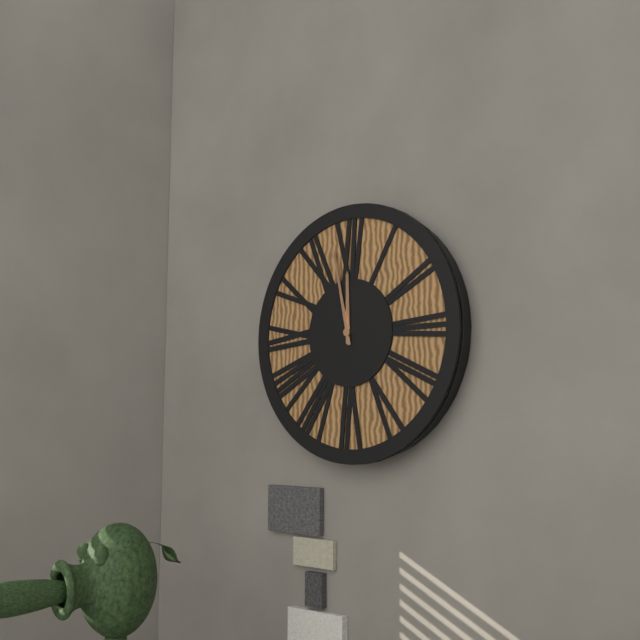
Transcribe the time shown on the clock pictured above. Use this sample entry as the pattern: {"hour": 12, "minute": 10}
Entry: {"hour": 11, "minute": 58}
